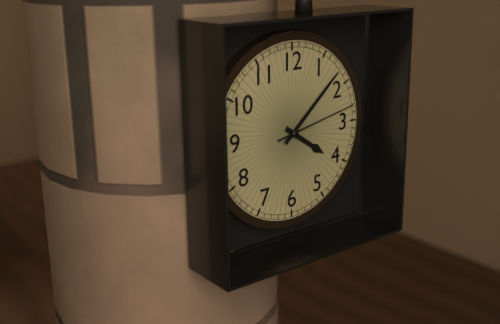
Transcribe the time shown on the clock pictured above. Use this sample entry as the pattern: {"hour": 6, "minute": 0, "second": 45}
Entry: {"hour": 4, "minute": 8, "second": 13}
